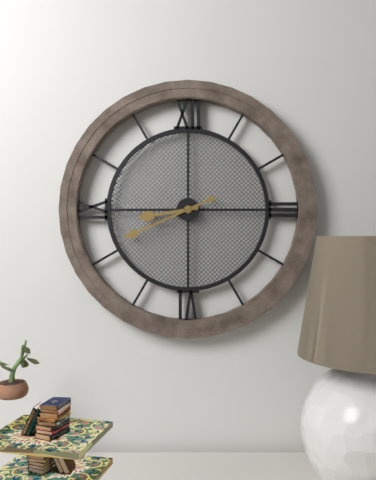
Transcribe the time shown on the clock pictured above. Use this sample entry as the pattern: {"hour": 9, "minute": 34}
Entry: {"hour": 8, "minute": 41}
